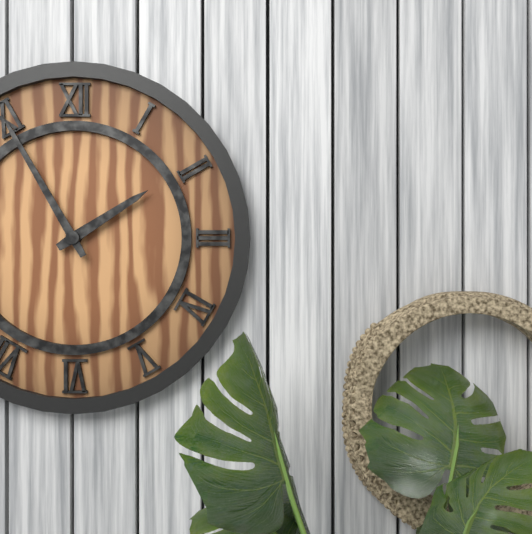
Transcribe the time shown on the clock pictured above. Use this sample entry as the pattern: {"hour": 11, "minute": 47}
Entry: {"hour": 1, "minute": 55}
